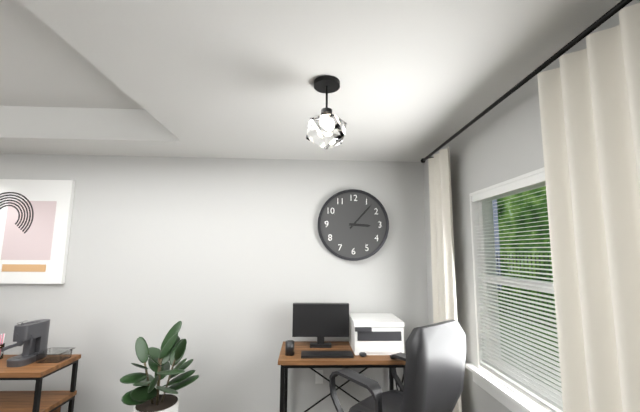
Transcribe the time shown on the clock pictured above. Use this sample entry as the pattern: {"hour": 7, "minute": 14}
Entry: {"hour": 3, "minute": 7}
